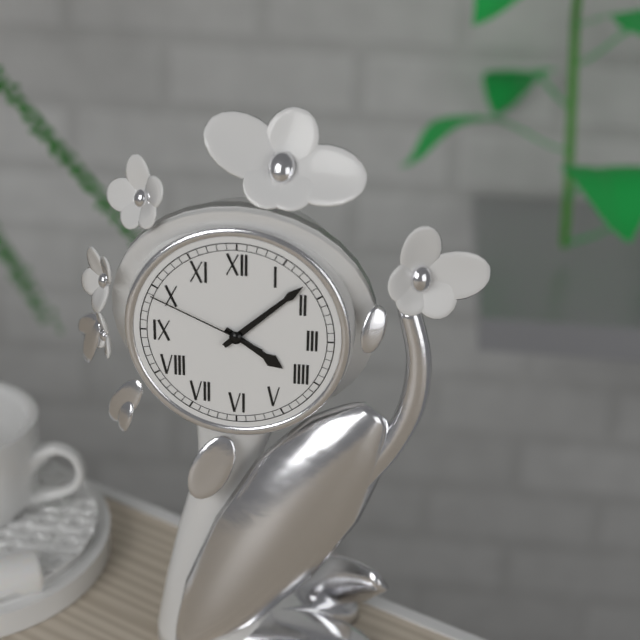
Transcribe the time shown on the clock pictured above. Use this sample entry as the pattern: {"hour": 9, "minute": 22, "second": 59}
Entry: {"hour": 4, "minute": 8, "second": 49}
